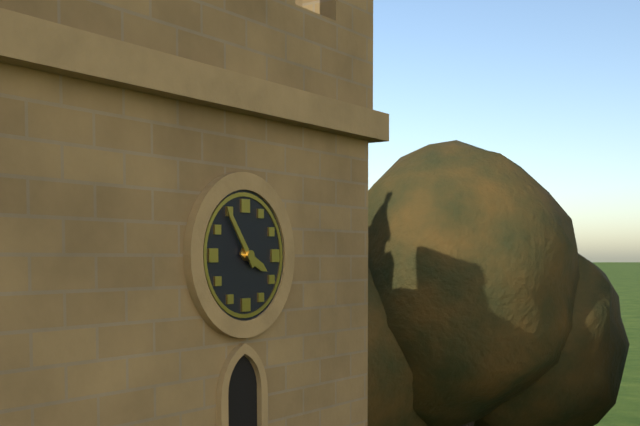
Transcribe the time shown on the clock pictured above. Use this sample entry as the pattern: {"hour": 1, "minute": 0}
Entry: {"hour": 3, "minute": 54}
